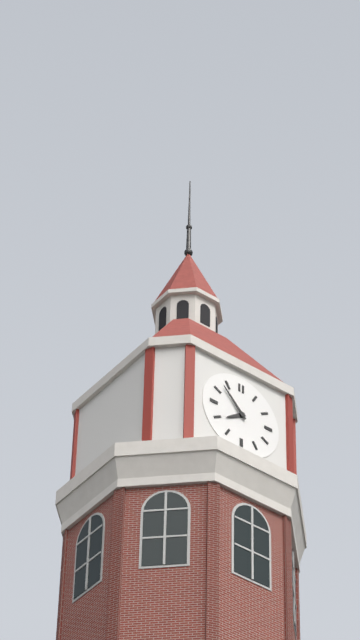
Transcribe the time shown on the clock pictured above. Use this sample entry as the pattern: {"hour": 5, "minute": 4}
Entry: {"hour": 7, "minute": 53}
